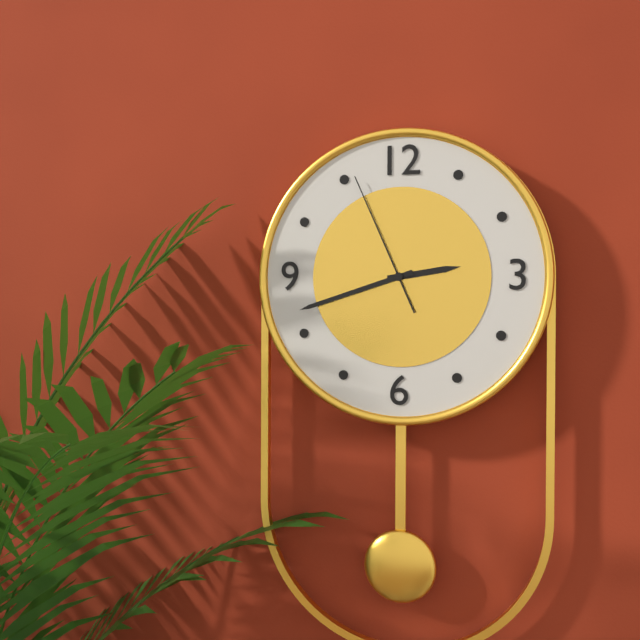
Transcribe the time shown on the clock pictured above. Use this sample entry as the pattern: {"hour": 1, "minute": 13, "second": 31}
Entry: {"hour": 2, "minute": 42, "second": 56}
